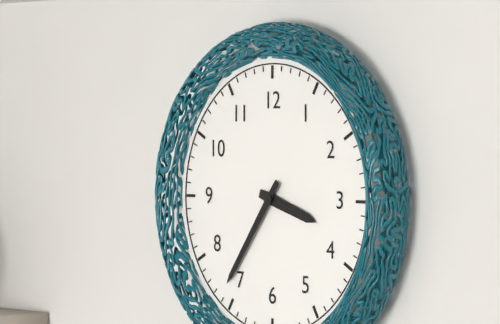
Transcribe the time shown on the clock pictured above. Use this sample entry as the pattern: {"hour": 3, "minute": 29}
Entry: {"hour": 3, "minute": 36}
